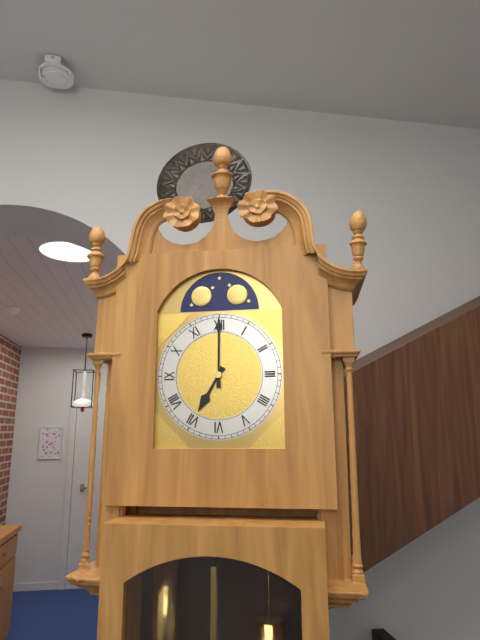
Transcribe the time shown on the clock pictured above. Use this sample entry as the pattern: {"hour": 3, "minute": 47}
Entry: {"hour": 7, "minute": 0}
